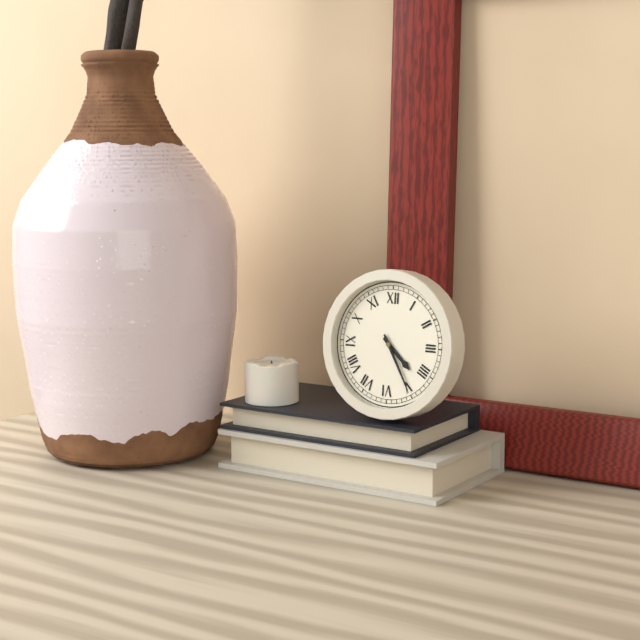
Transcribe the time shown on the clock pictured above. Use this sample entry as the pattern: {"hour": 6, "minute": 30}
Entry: {"hour": 4, "minute": 25}
